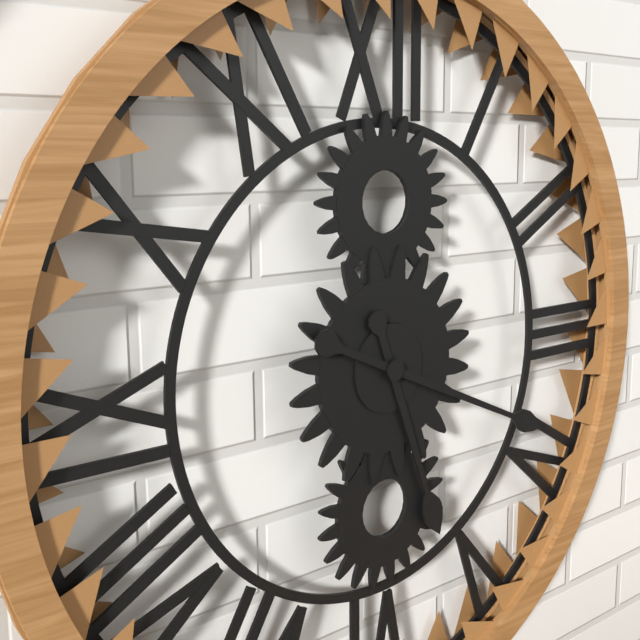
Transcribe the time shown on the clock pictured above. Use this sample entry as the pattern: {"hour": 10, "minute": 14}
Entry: {"hour": 5, "minute": 19}
